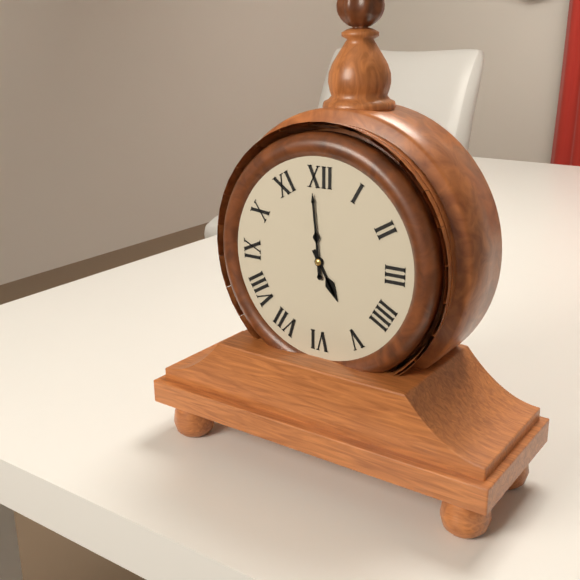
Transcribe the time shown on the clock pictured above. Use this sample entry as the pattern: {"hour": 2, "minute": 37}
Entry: {"hour": 4, "minute": 59}
